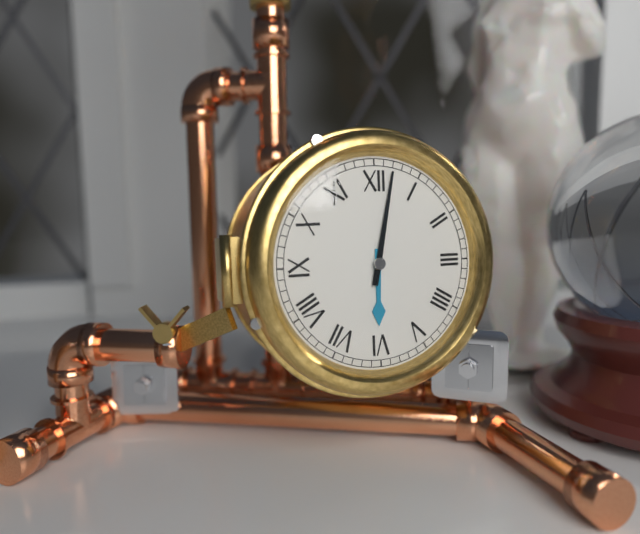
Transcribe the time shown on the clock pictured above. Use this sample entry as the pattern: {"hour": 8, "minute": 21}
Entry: {"hour": 6, "minute": 2}
